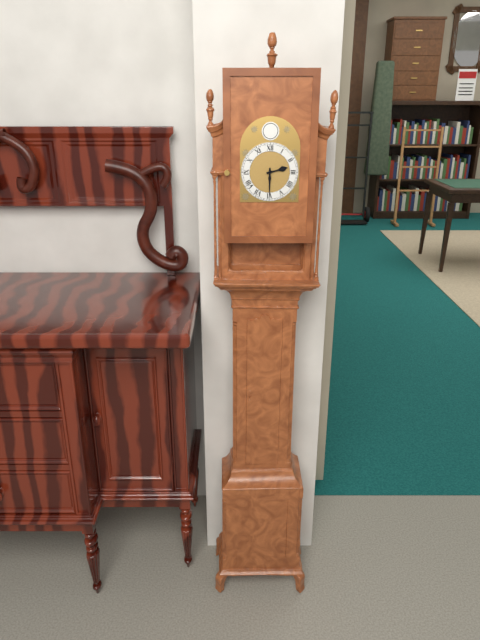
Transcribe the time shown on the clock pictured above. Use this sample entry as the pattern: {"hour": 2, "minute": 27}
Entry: {"hour": 2, "minute": 30}
